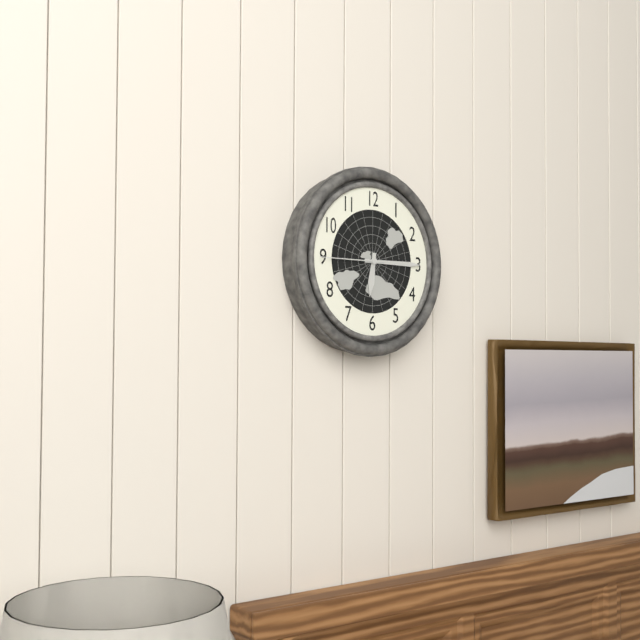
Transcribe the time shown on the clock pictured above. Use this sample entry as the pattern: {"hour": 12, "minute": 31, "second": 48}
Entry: {"hour": 6, "minute": 15, "second": 45}
